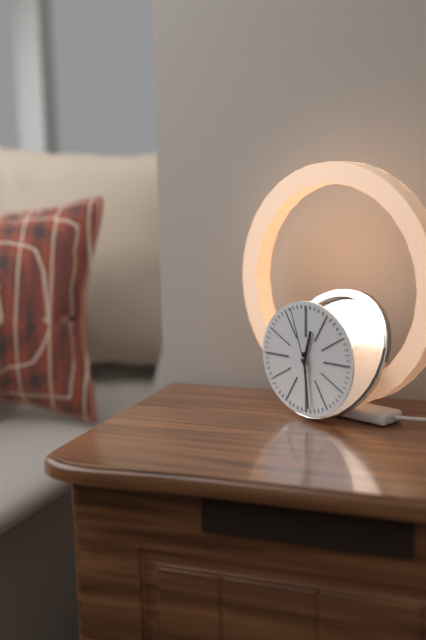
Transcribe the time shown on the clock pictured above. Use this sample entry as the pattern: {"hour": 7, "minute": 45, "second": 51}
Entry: {"hour": 12, "minute": 29, "second": 57}
